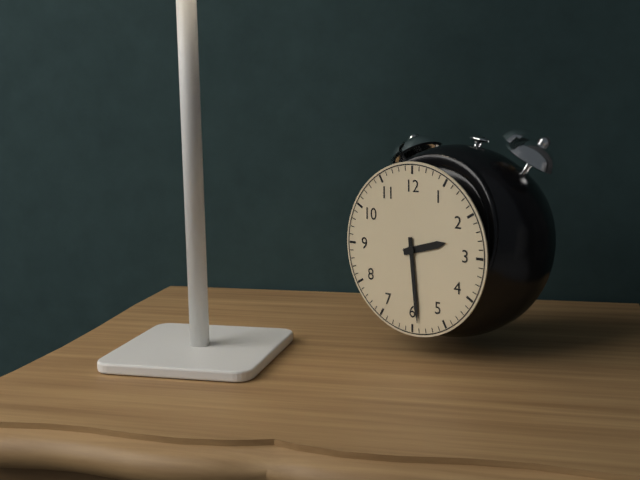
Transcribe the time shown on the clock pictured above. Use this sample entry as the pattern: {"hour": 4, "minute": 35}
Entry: {"hour": 2, "minute": 29}
